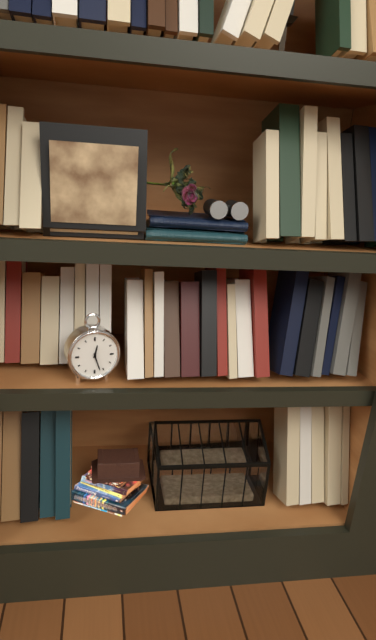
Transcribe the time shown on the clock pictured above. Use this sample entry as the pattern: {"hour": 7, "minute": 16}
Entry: {"hour": 12, "minute": 27}
